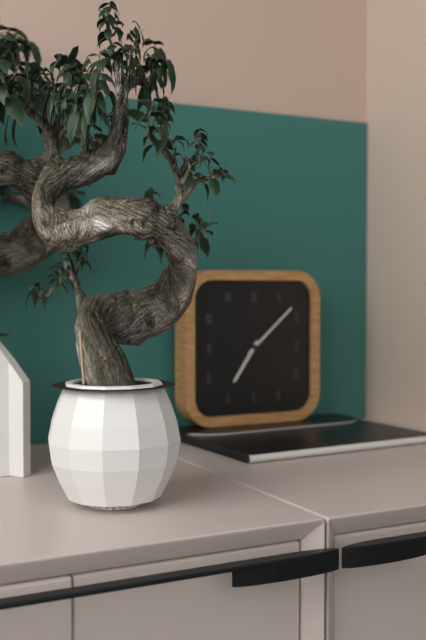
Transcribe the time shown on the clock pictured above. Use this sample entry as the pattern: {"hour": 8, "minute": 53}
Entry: {"hour": 7, "minute": 8}
